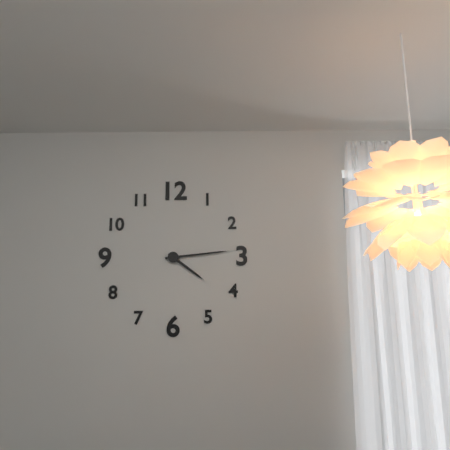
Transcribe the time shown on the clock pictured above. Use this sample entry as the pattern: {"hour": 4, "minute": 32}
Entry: {"hour": 4, "minute": 14}
